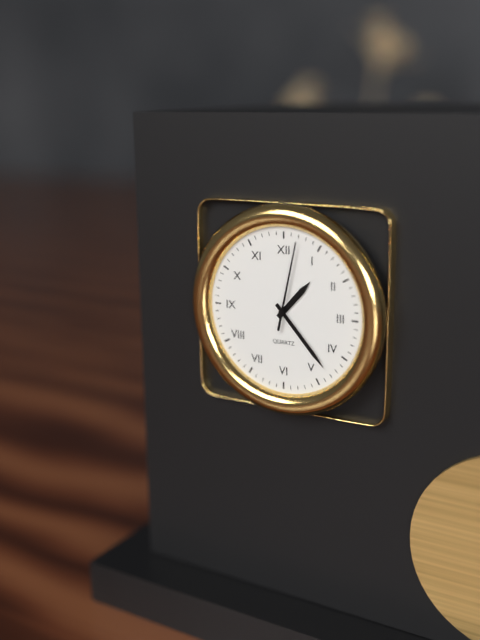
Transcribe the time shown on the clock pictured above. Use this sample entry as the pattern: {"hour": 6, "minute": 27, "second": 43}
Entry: {"hour": 1, "minute": 23, "second": 2}
